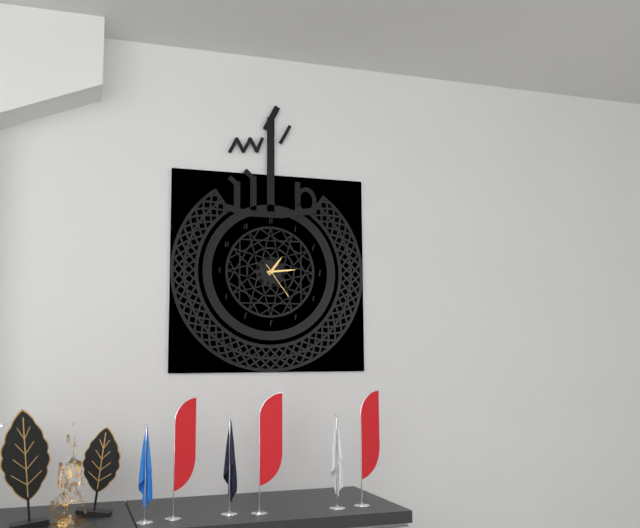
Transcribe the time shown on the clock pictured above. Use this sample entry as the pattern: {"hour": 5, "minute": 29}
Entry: {"hour": 1, "minute": 14}
